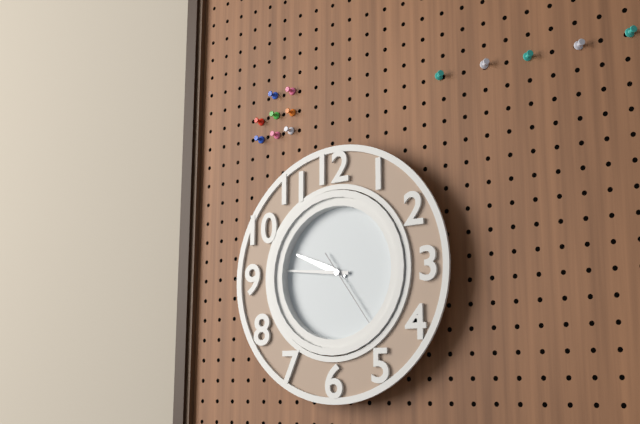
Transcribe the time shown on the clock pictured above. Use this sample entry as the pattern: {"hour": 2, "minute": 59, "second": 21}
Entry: {"hour": 9, "minute": 46, "second": 24}
